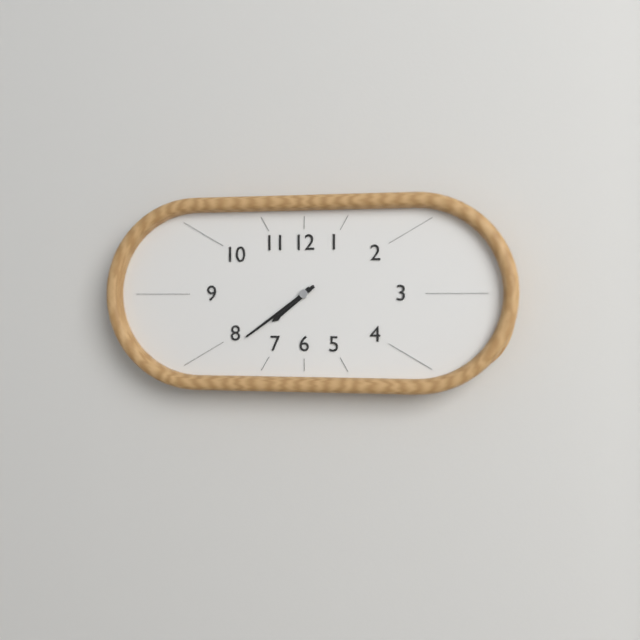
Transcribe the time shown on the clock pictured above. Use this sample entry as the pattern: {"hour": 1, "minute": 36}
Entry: {"hour": 7, "minute": 39}
